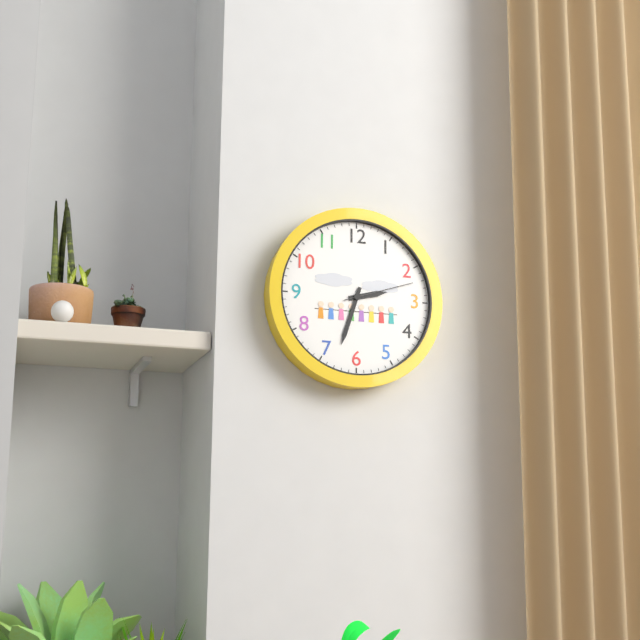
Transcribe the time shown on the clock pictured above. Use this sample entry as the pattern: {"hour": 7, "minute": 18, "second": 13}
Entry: {"hour": 2, "minute": 33, "second": 12}
